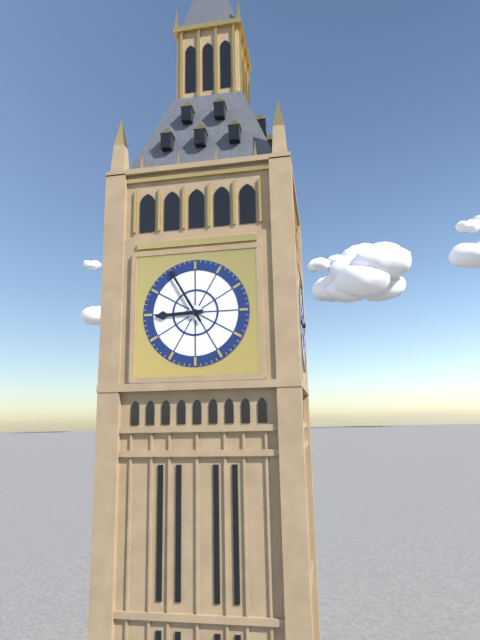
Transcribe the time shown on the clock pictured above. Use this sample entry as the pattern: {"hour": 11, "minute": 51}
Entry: {"hour": 8, "minute": 55}
